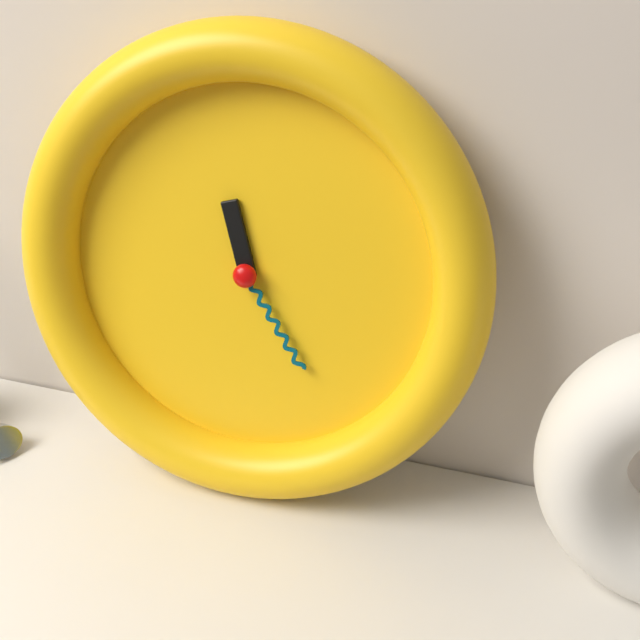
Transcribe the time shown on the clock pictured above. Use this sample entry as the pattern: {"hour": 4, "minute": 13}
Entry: {"hour": 11, "minute": 24}
